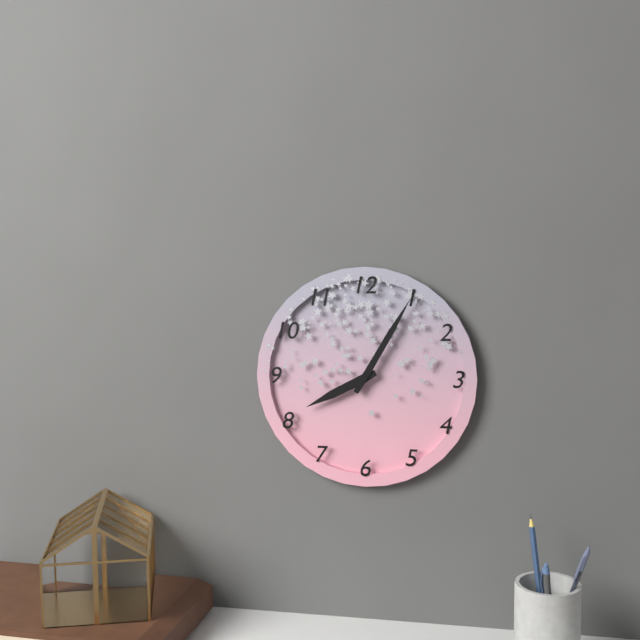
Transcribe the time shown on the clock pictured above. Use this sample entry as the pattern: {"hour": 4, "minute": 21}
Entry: {"hour": 8, "minute": 5}
